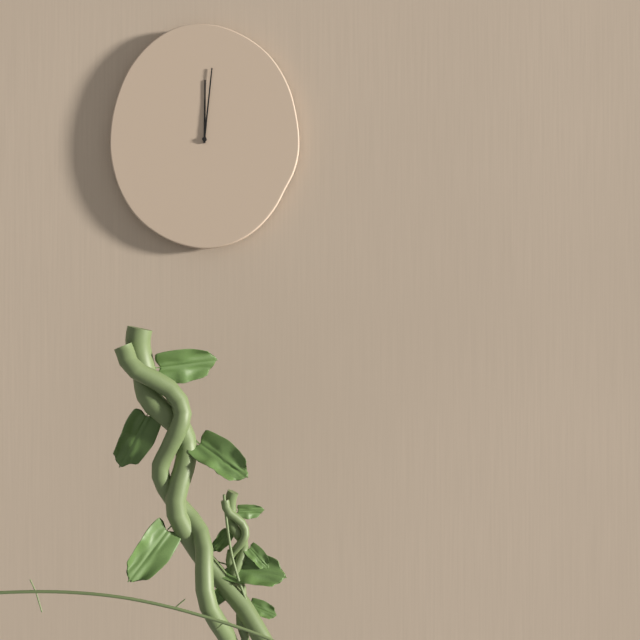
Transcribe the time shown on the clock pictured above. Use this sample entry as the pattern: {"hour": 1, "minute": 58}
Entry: {"hour": 12, "minute": 1}
